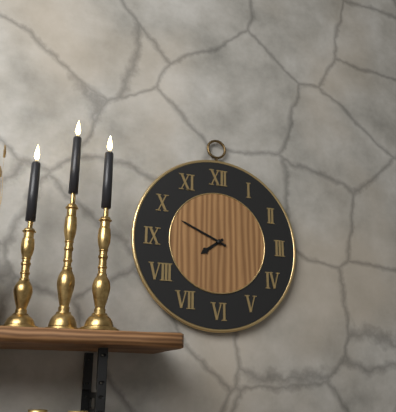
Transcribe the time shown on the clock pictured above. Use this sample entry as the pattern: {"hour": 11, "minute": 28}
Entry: {"hour": 7, "minute": 49}
